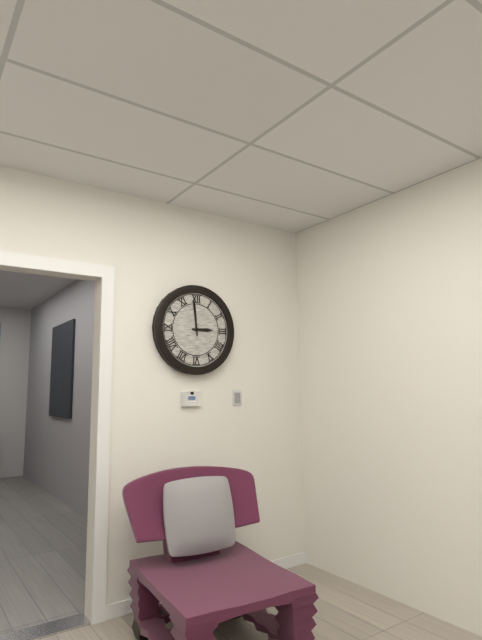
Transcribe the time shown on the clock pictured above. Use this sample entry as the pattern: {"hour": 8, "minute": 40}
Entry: {"hour": 2, "minute": 59}
